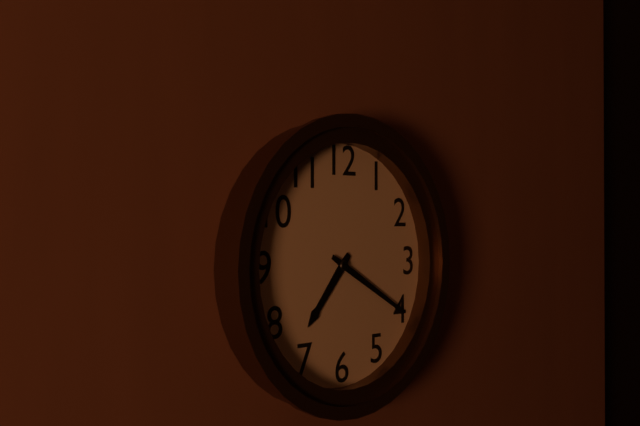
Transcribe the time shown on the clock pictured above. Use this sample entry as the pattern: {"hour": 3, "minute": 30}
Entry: {"hour": 7, "minute": 20}
